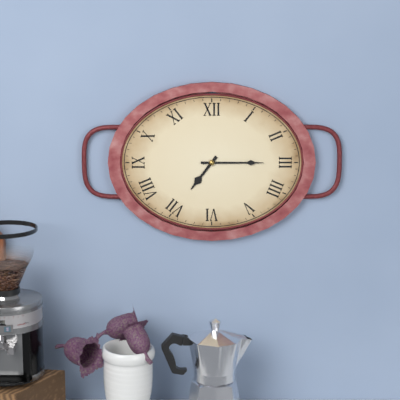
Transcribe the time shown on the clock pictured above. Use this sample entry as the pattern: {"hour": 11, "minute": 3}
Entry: {"hour": 7, "minute": 15}
